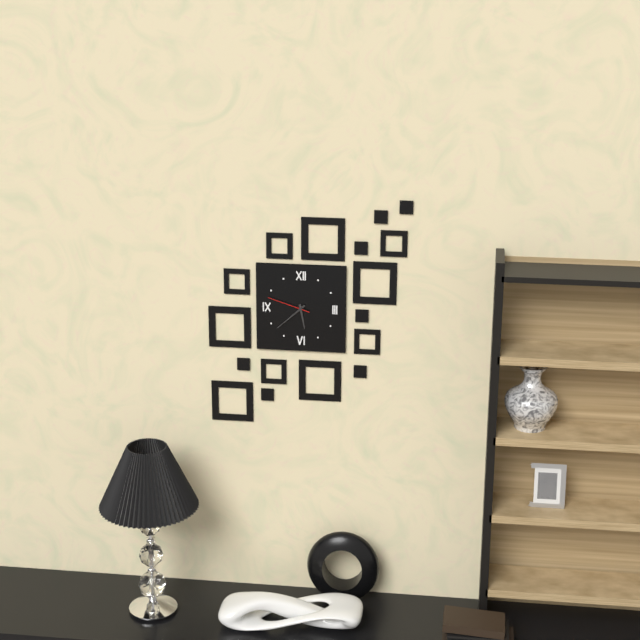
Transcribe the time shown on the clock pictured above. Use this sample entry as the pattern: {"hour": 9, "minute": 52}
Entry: {"hour": 5, "minute": 38}
